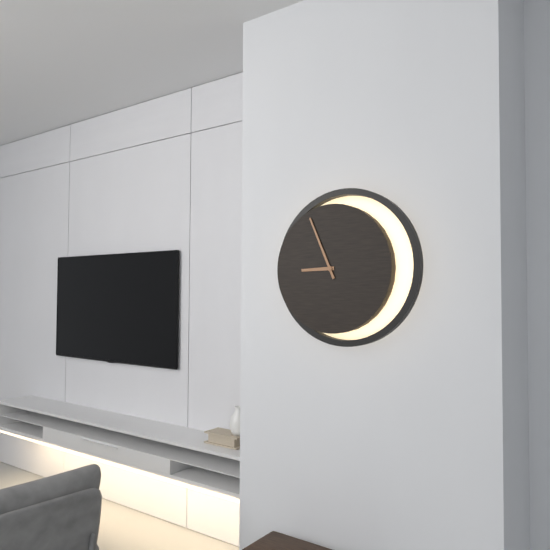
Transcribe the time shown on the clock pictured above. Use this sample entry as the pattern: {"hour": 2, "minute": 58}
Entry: {"hour": 8, "minute": 56}
